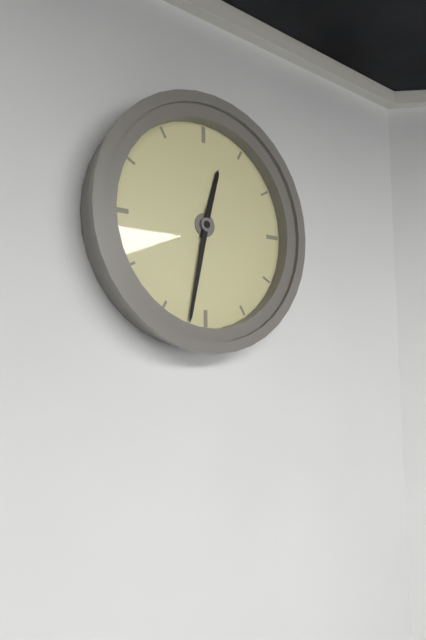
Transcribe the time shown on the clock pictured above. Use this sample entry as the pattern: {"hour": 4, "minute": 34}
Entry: {"hour": 12, "minute": 32}
